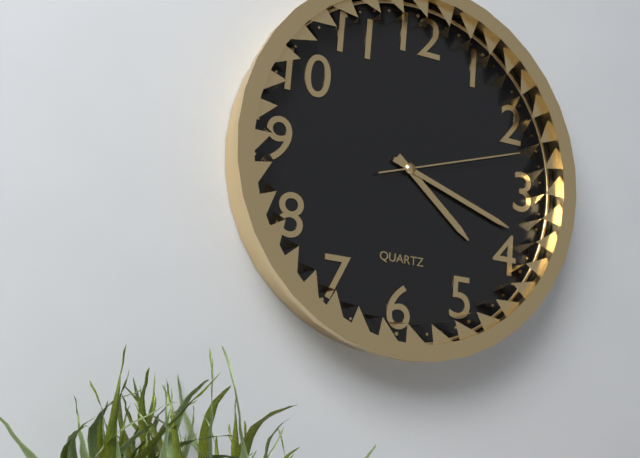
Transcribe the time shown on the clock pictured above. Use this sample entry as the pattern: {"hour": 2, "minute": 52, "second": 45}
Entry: {"hour": 4, "minute": 18, "second": 12}
